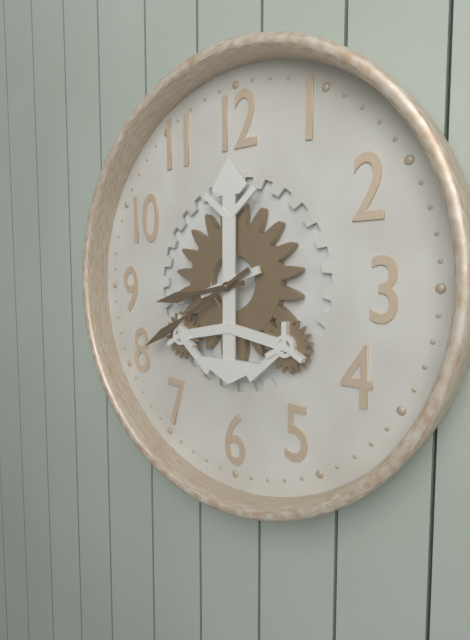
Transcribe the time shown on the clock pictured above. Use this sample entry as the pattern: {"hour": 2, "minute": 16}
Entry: {"hour": 8, "minute": 40}
